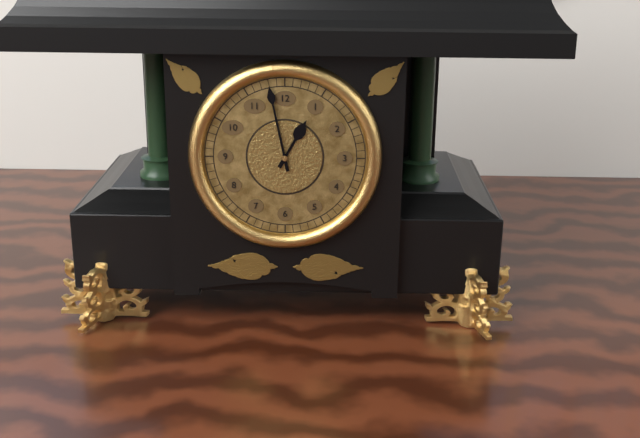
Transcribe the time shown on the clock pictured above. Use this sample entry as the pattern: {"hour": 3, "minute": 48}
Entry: {"hour": 12, "minute": 58}
